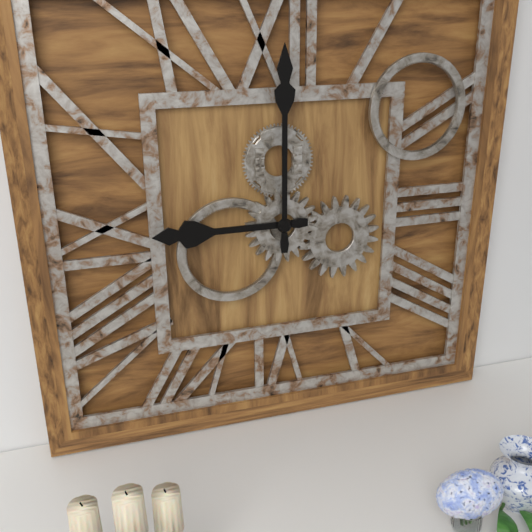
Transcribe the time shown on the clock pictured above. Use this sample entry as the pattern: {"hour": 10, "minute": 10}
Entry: {"hour": 9, "minute": 0}
